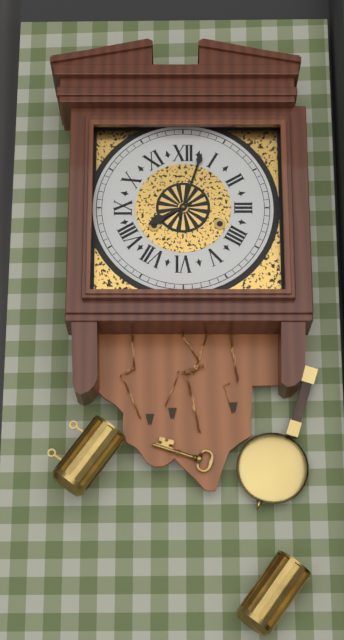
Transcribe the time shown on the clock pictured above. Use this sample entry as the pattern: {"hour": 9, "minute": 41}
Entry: {"hour": 8, "minute": 3}
